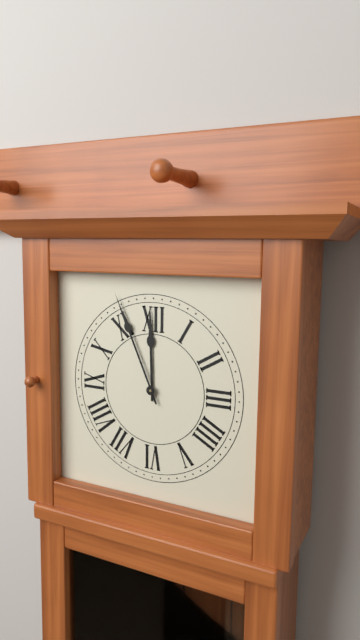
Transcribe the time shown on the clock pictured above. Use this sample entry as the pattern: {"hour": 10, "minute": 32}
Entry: {"hour": 11, "minute": 56}
